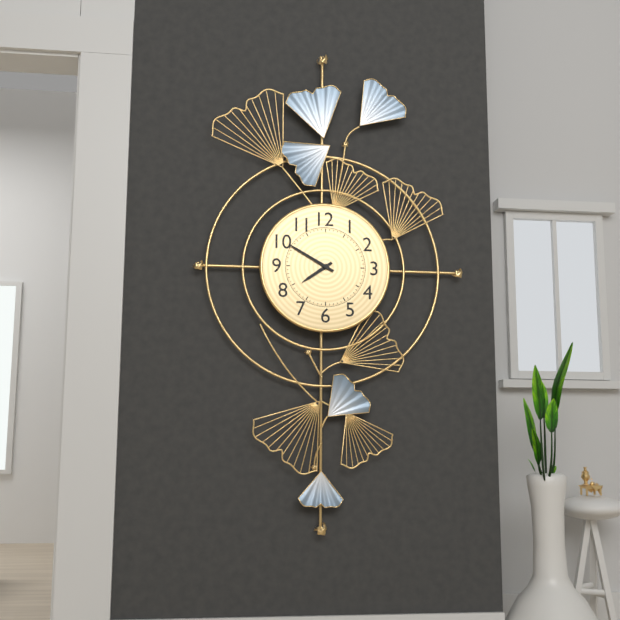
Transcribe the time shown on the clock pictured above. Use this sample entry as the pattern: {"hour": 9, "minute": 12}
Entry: {"hour": 7, "minute": 50}
